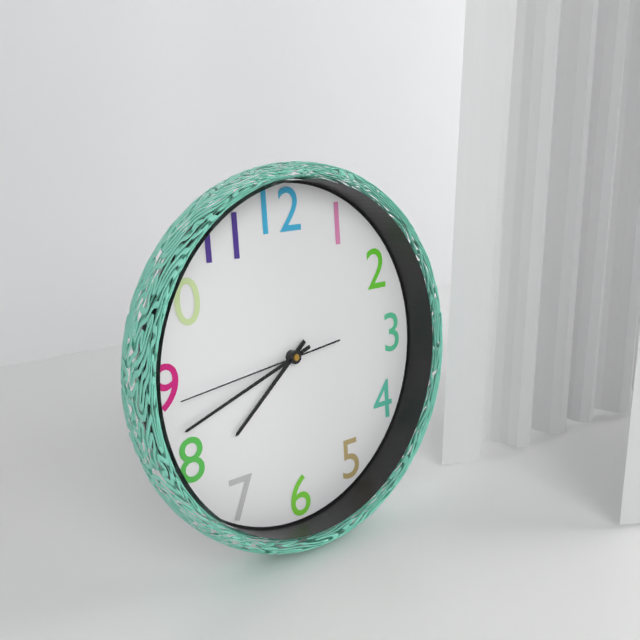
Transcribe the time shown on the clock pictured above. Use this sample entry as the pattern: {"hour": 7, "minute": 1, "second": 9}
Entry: {"hour": 7, "minute": 42, "second": 44}
